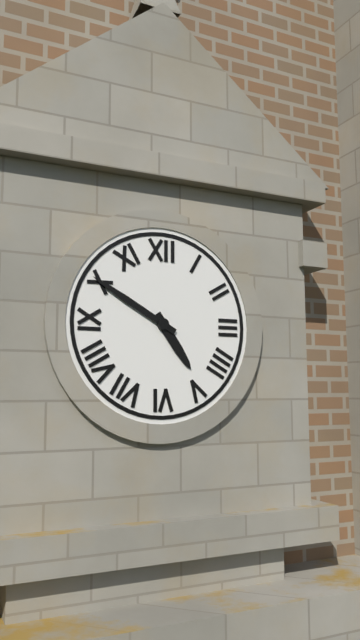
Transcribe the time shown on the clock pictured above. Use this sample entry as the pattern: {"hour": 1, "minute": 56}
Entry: {"hour": 4, "minute": 50}
